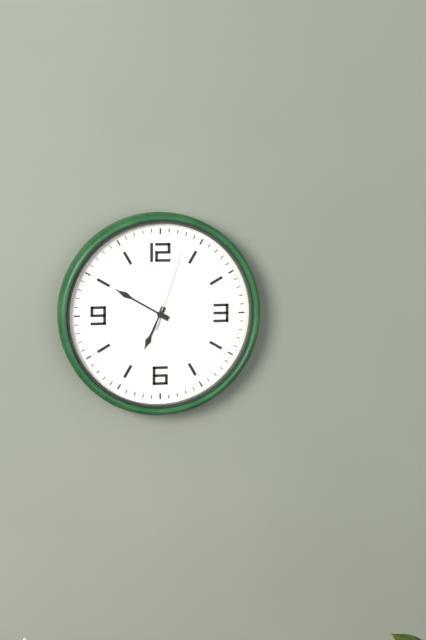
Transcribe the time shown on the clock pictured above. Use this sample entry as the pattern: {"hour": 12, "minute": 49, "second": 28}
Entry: {"hour": 6, "minute": 50, "second": 3}
